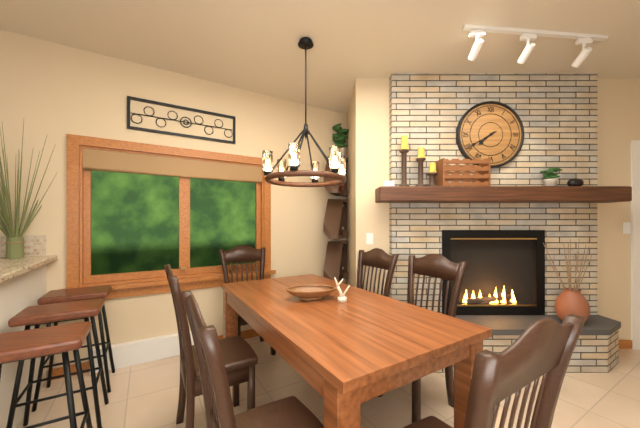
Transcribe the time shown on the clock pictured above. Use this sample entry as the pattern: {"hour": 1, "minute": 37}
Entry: {"hour": 7, "minute": 40}
